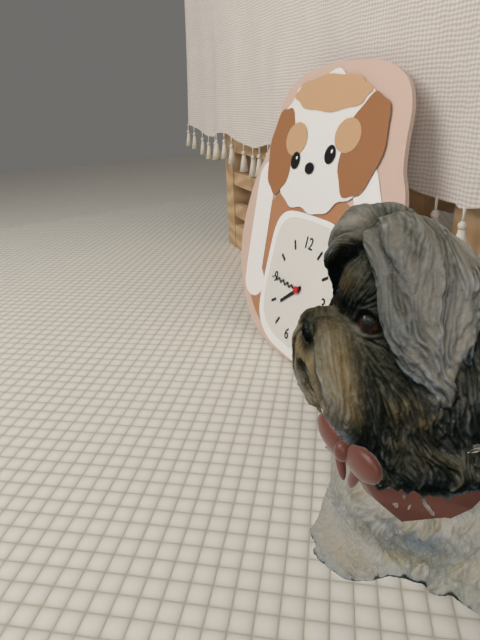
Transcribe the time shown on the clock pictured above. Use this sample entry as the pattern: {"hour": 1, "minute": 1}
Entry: {"hour": 7, "minute": 45}
